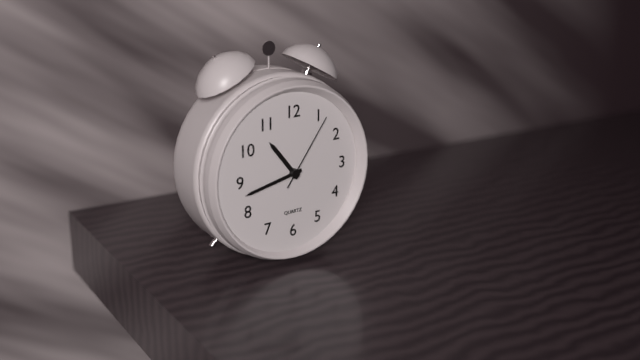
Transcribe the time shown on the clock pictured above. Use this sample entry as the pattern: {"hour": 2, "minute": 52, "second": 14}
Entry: {"hour": 10, "minute": 43, "second": 6}
